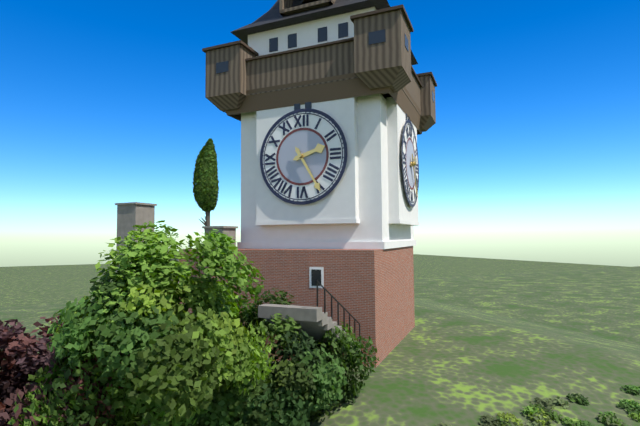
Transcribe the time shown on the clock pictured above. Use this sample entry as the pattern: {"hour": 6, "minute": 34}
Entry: {"hour": 2, "minute": 25}
